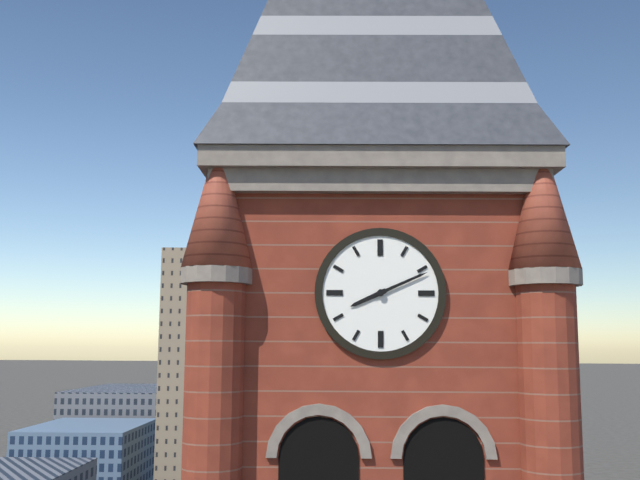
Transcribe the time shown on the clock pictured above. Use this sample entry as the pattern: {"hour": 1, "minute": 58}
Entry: {"hour": 8, "minute": 11}
